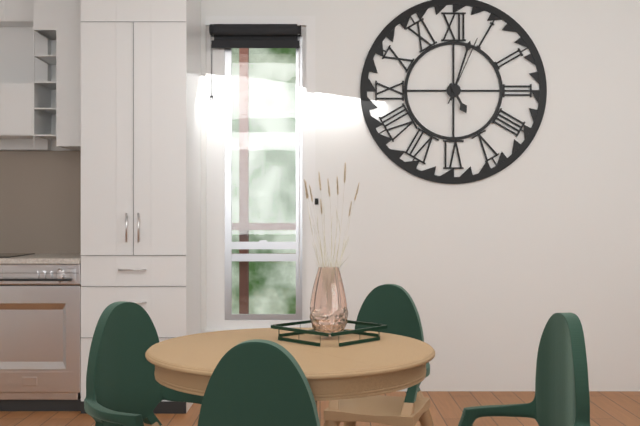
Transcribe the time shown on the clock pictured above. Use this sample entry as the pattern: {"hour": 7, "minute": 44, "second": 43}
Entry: {"hour": 5, "minute": 3, "second": 4}
